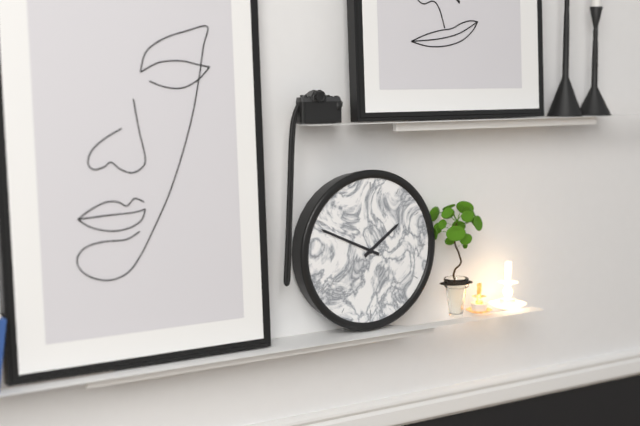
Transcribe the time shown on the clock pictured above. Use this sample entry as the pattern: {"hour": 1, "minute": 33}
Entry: {"hour": 1, "minute": 49}
